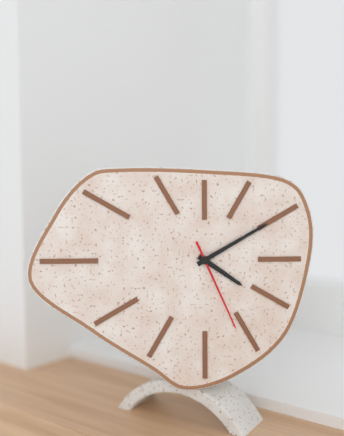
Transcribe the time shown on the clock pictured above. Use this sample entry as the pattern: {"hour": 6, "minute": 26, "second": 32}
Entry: {"hour": 4, "minute": 10, "second": 26}
